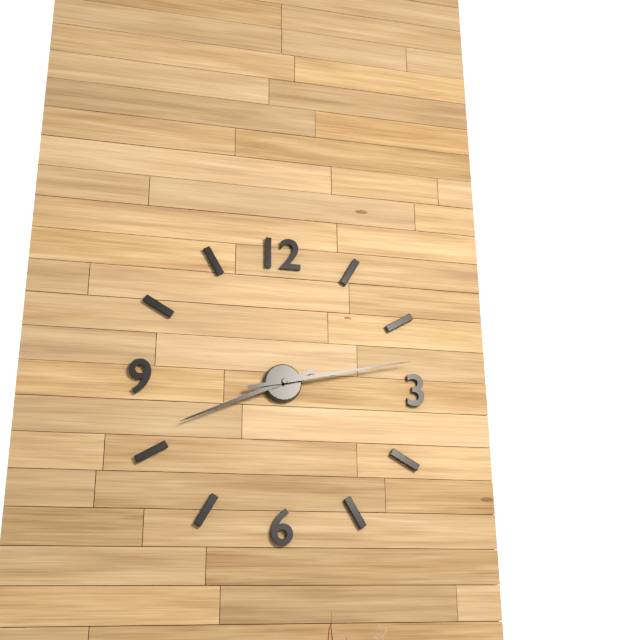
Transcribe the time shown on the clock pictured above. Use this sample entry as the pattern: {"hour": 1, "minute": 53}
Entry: {"hour": 8, "minute": 13}
